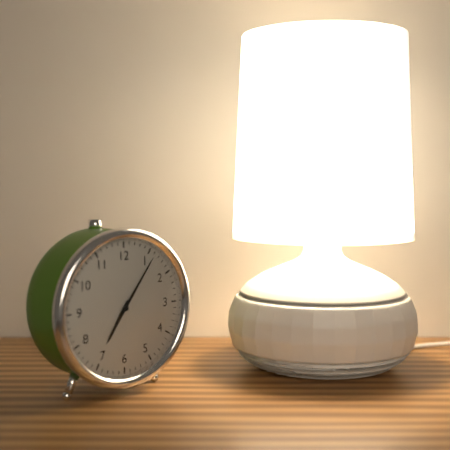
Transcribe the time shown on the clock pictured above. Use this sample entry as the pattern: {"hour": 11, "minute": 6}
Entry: {"hour": 7, "minute": 6}
